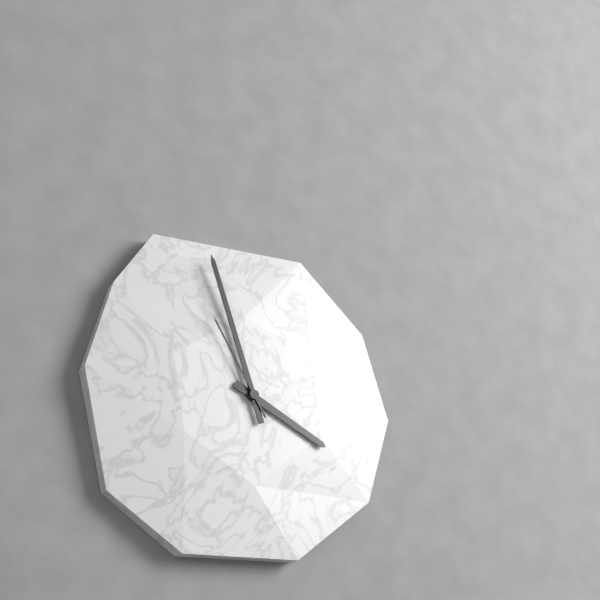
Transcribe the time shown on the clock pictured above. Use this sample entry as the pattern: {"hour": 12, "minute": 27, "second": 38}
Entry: {"hour": 3, "minute": 57, "second": 55}
